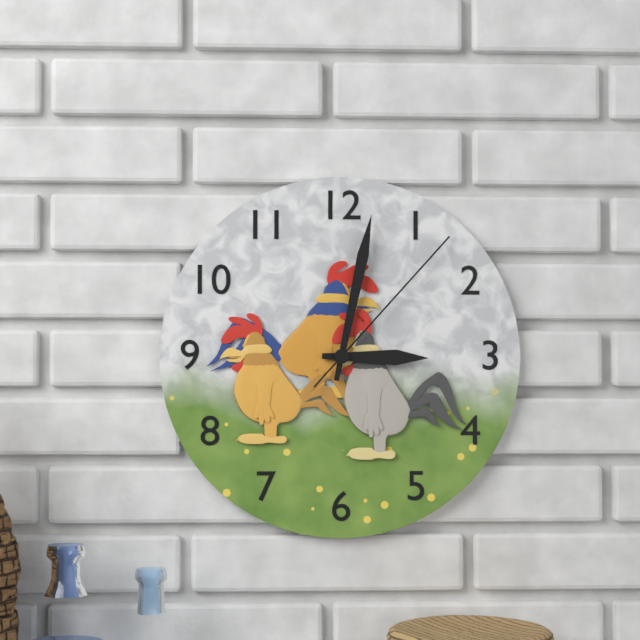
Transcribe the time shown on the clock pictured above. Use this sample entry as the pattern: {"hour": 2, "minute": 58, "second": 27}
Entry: {"hour": 3, "minute": 2, "second": 7}
